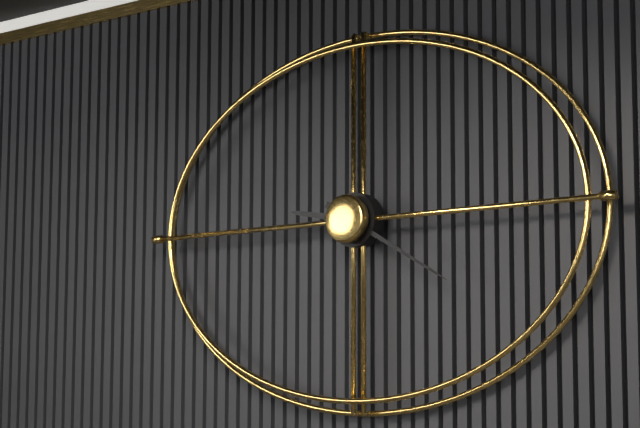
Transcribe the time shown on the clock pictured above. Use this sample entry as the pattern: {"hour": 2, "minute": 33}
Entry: {"hour": 9, "minute": 20}
